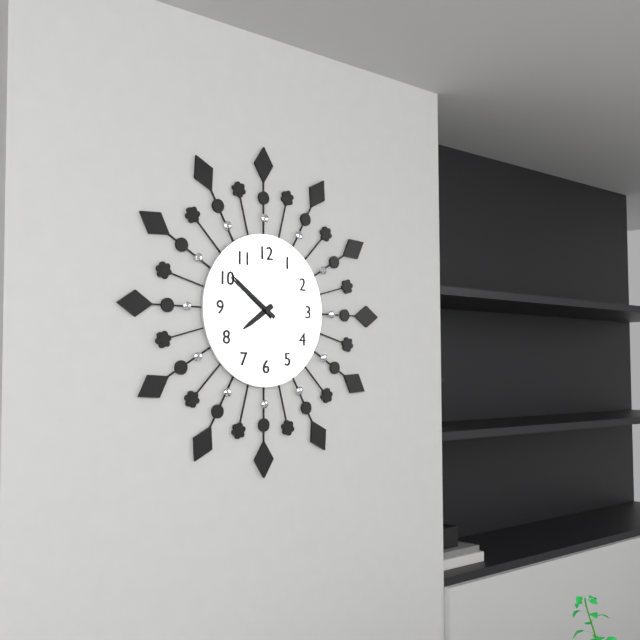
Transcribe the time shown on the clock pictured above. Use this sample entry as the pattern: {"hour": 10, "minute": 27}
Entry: {"hour": 7, "minute": 51}
